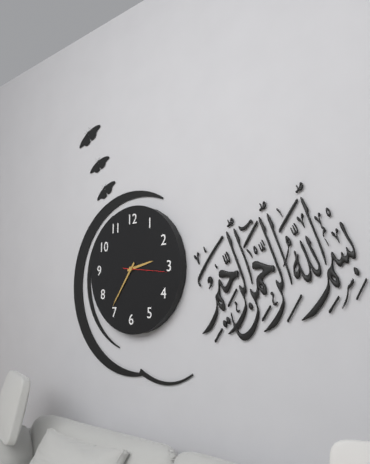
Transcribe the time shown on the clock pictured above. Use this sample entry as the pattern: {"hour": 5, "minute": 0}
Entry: {"hour": 2, "minute": 36}
